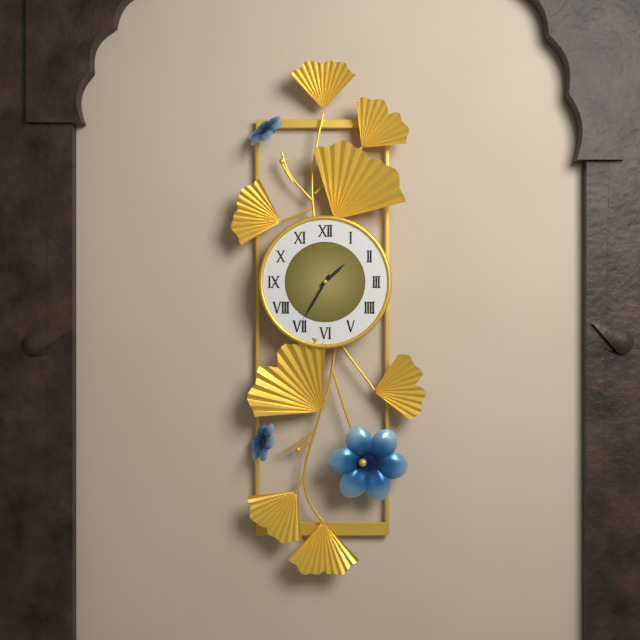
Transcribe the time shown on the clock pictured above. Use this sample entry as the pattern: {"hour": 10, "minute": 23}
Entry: {"hour": 1, "minute": 35}
